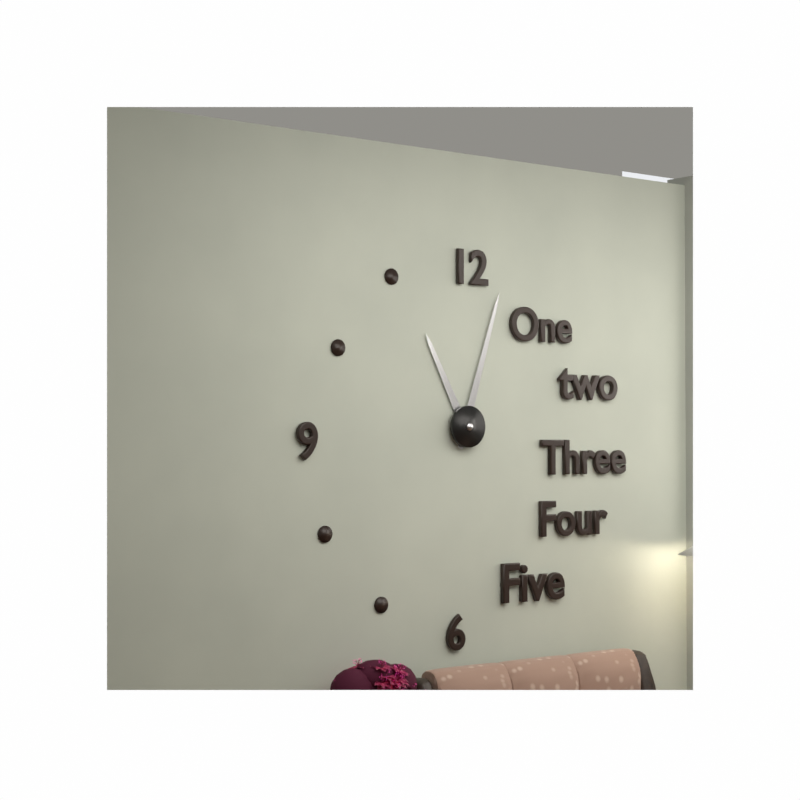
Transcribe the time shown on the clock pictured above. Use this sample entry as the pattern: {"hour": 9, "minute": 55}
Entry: {"hour": 11, "minute": 3}
